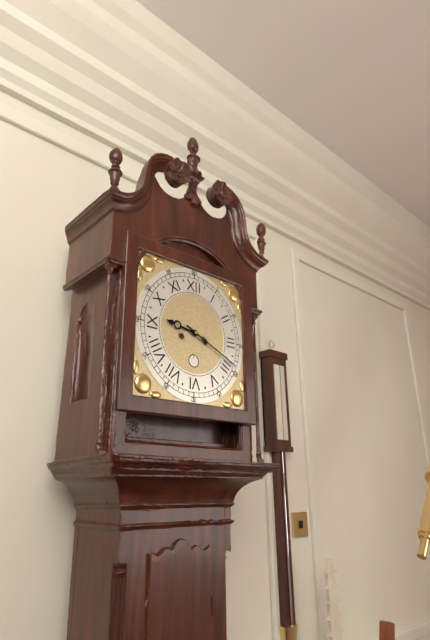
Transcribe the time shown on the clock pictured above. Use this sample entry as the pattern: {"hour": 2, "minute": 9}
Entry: {"hour": 9, "minute": 19}
